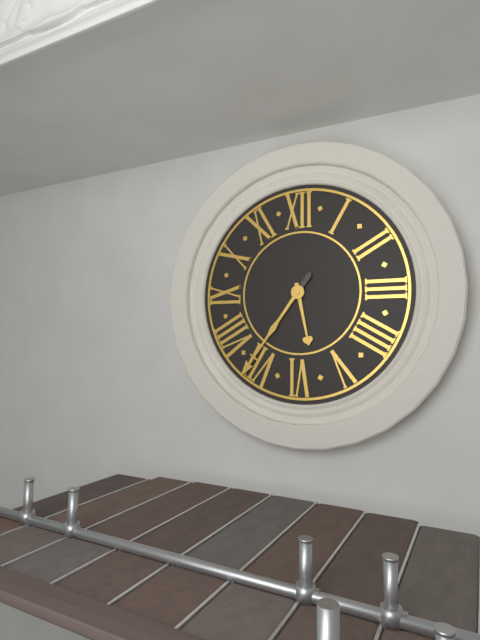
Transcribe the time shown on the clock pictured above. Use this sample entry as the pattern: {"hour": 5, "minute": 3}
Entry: {"hour": 5, "minute": 36}
